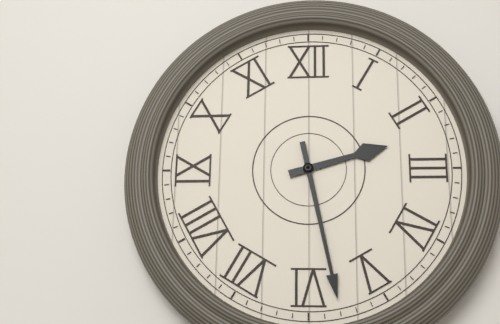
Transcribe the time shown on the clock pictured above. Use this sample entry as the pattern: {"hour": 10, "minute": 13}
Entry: {"hour": 2, "minute": 28}
